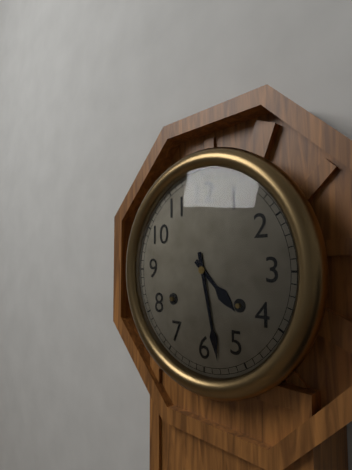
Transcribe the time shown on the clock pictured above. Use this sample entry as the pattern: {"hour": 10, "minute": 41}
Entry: {"hour": 4, "minute": 28}
